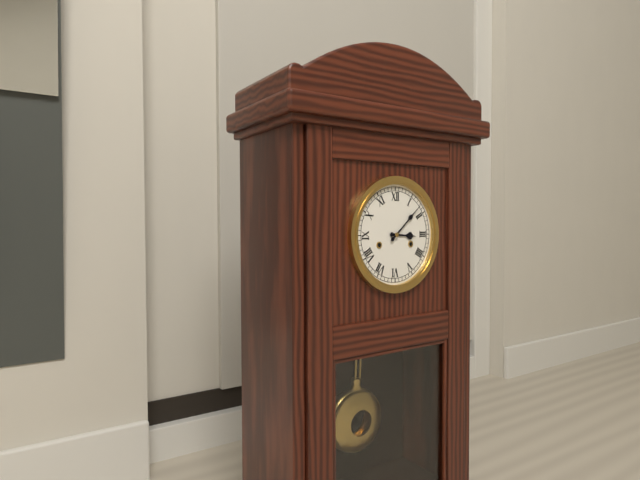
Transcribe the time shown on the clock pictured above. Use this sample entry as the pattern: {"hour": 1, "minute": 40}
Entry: {"hour": 3, "minute": 8}
